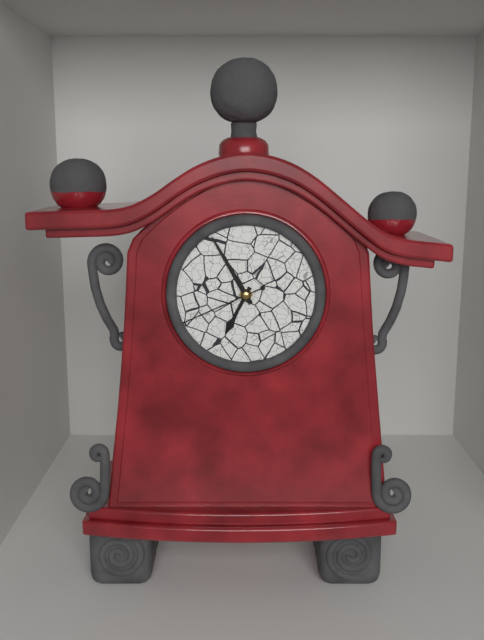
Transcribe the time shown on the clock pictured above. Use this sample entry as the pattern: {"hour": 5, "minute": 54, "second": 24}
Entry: {"hour": 6, "minute": 55, "second": 41}
